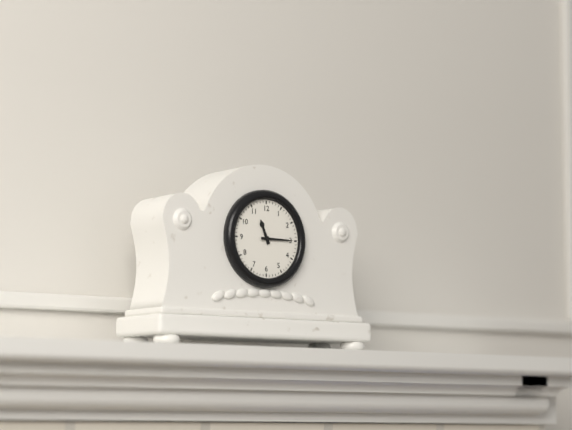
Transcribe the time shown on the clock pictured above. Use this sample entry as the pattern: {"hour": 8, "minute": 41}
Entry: {"hour": 11, "minute": 15}
